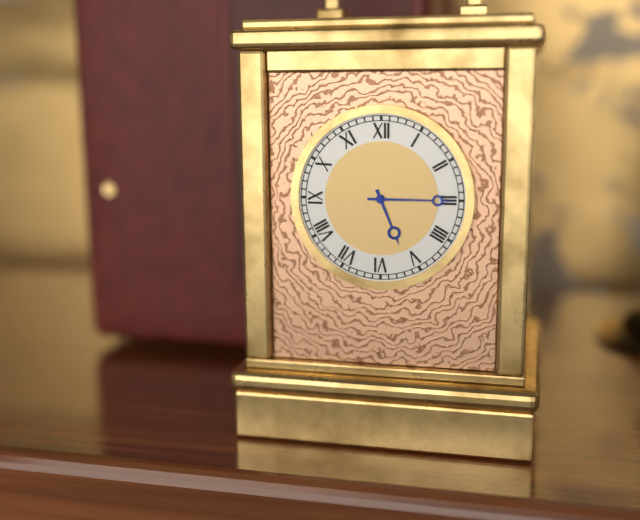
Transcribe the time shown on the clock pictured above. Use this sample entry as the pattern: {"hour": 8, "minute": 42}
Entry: {"hour": 5, "minute": 15}
